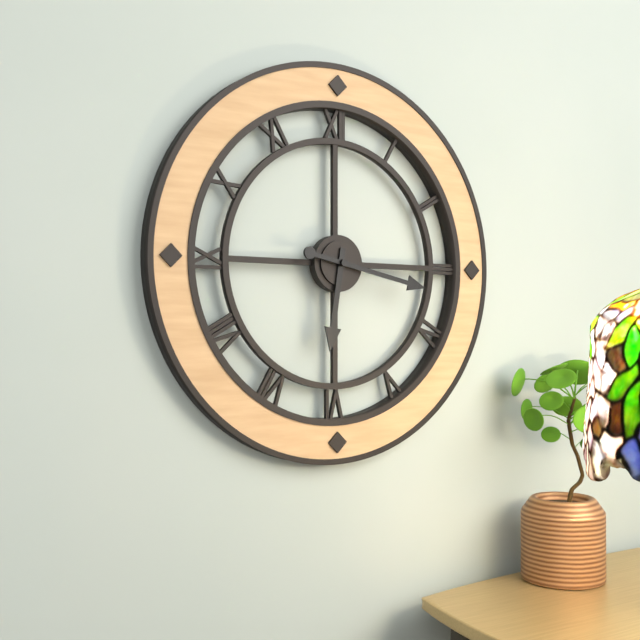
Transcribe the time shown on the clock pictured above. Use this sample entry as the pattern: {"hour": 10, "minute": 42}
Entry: {"hour": 6, "minute": 17}
